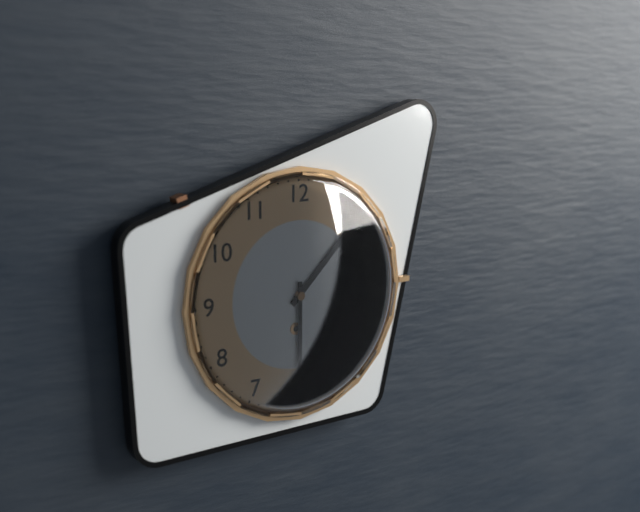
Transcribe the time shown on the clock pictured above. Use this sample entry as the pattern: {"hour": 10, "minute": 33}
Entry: {"hour": 1, "minute": 30}
